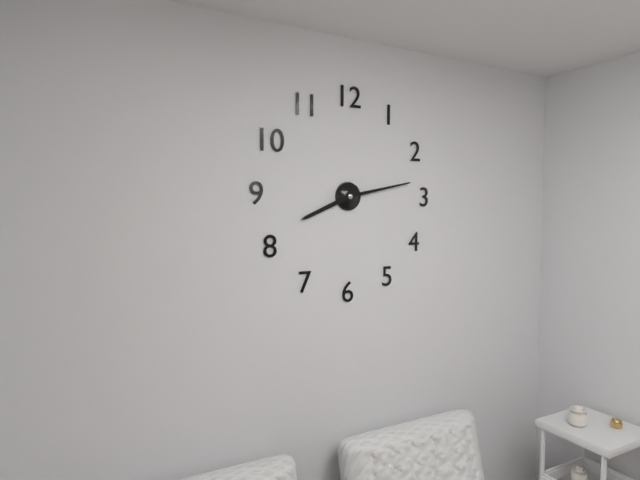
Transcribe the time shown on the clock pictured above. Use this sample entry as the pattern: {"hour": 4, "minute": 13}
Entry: {"hour": 8, "minute": 13}
